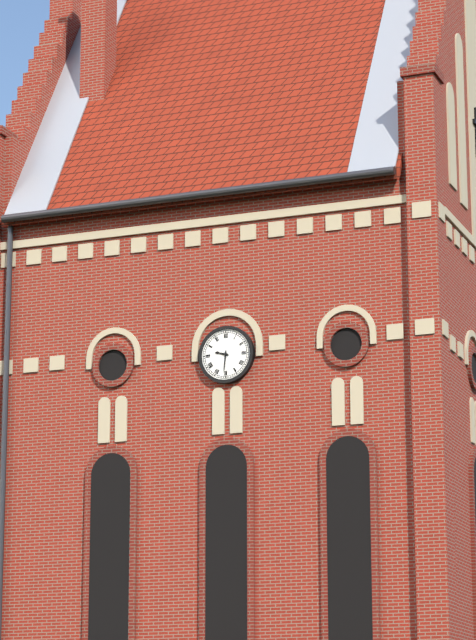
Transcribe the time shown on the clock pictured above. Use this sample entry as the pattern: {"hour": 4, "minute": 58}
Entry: {"hour": 9, "minute": 31}
